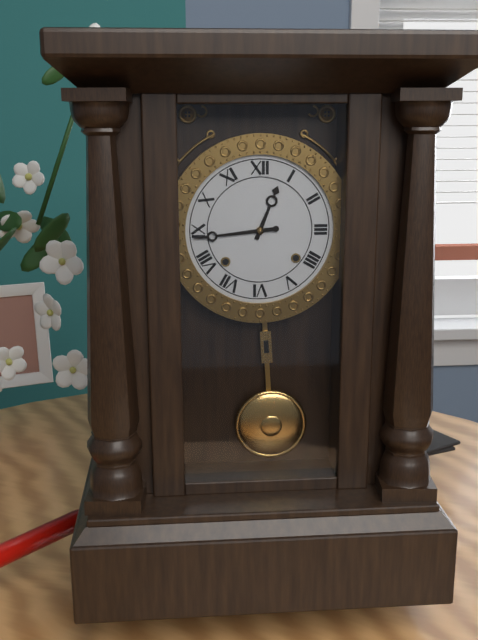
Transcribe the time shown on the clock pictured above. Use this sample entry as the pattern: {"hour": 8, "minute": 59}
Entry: {"hour": 12, "minute": 44}
